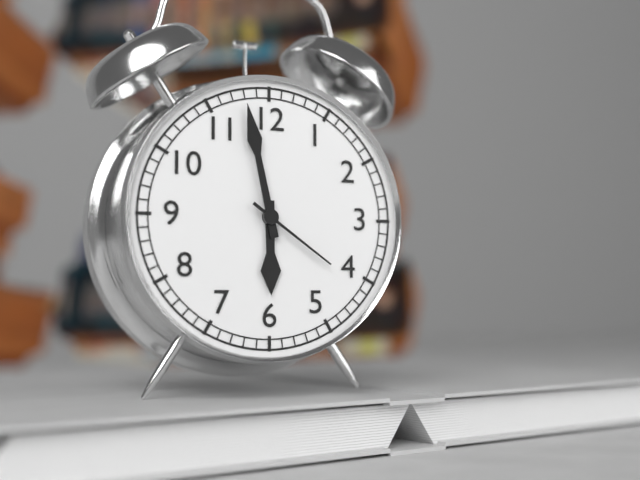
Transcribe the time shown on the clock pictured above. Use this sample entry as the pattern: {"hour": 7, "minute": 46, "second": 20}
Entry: {"hour": 5, "minute": 58, "second": 21}
